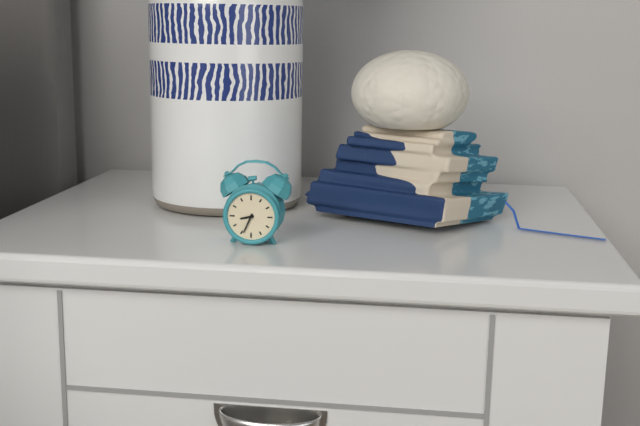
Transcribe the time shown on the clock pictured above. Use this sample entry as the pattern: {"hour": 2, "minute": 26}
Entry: {"hour": 8, "minute": 34}
